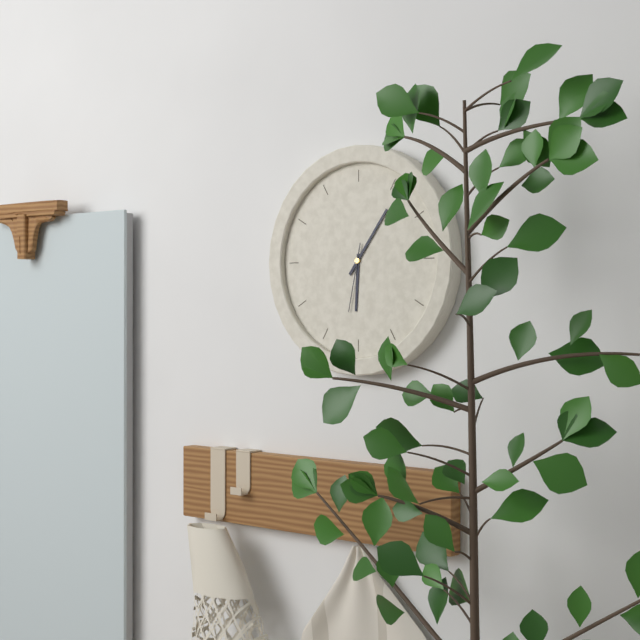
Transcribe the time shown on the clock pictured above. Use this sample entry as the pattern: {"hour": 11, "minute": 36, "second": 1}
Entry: {"hour": 6, "minute": 6, "second": 32}
